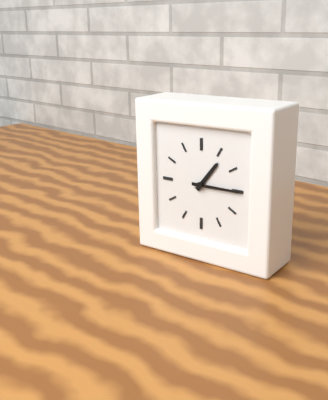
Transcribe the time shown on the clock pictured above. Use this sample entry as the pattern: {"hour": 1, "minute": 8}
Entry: {"hour": 1, "minute": 15}
